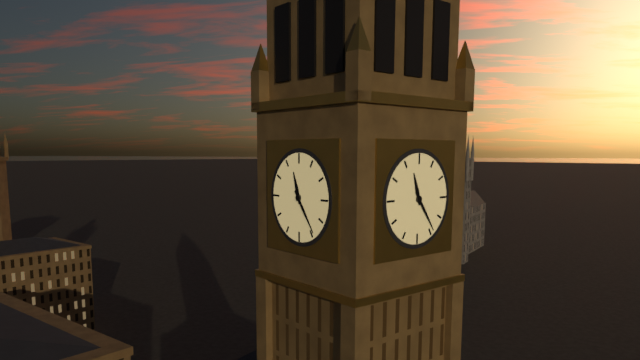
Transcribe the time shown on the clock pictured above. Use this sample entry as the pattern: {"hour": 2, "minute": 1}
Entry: {"hour": 11, "minute": 24}
